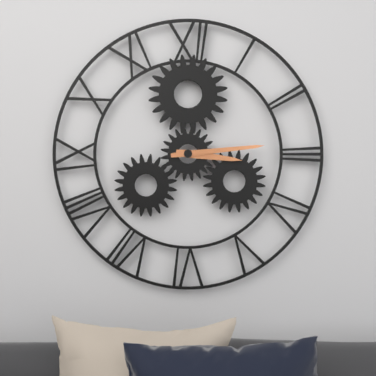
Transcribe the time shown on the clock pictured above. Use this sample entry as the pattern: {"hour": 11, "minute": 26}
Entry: {"hour": 3, "minute": 14}
